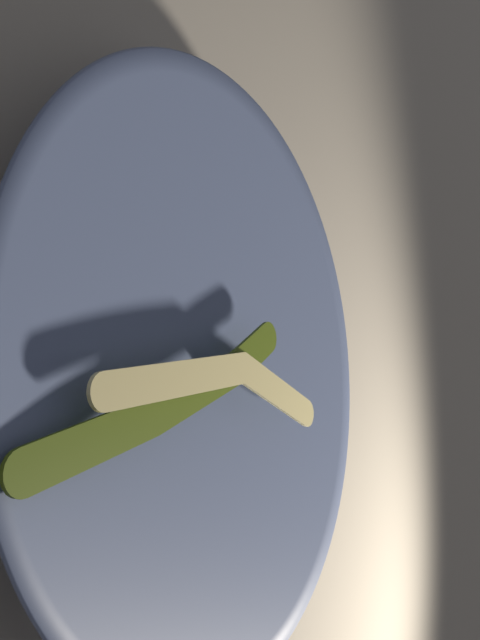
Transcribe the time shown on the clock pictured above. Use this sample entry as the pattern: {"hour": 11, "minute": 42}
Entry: {"hour": 8, "minute": 42}
